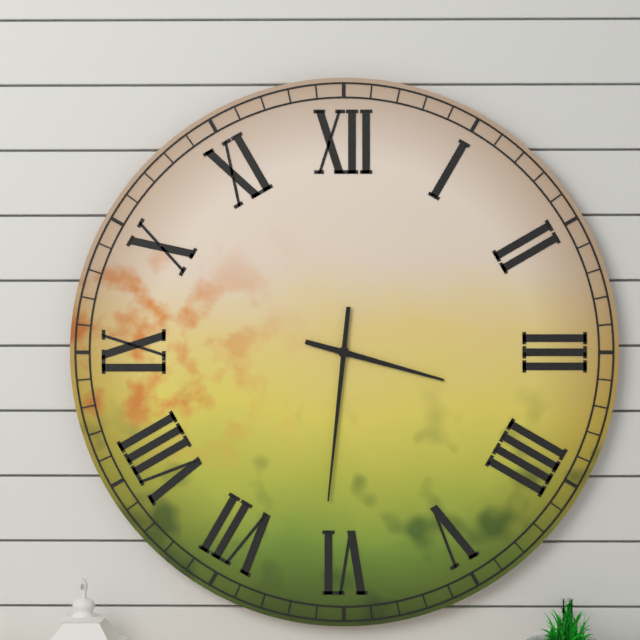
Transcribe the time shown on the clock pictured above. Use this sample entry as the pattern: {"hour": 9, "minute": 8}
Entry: {"hour": 3, "minute": 31}
